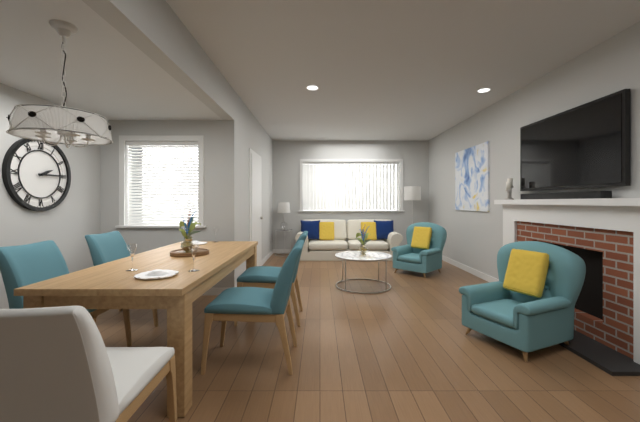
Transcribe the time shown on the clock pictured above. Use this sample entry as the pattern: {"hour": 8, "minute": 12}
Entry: {"hour": 2, "minute": 15}
